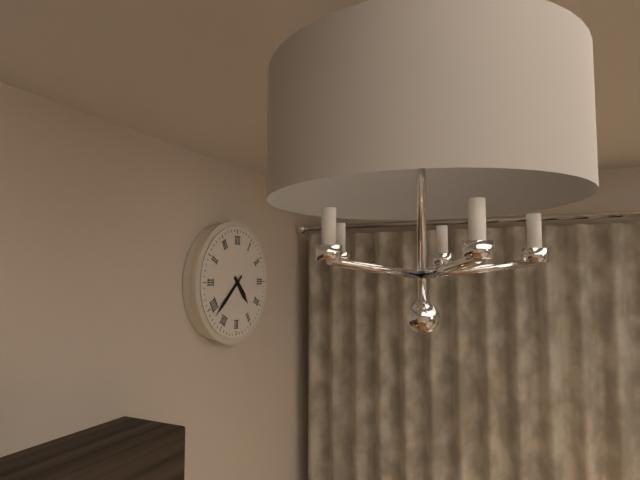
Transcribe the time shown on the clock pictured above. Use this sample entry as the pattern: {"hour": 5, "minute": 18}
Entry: {"hour": 4, "minute": 38}
